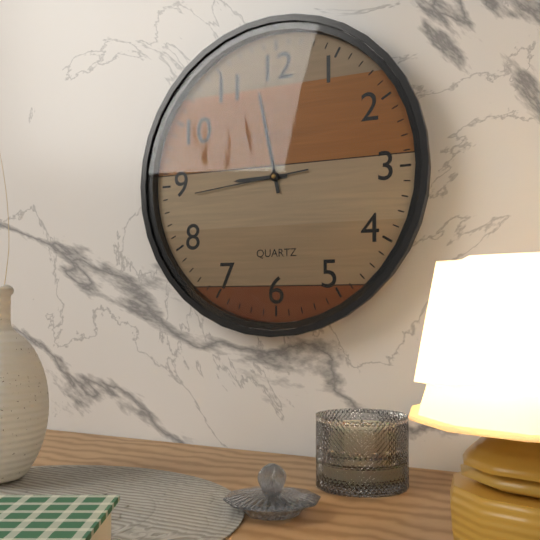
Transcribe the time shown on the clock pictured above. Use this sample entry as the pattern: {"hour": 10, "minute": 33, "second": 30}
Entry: {"hour": 8, "minute": 58, "second": 44}
